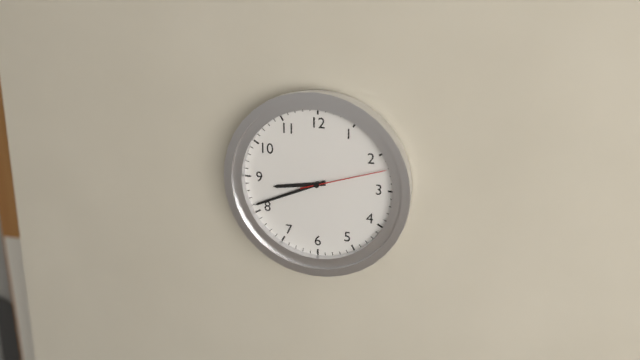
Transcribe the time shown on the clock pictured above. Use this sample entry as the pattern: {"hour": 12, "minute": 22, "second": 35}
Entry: {"hour": 8, "minute": 41, "second": 12}
